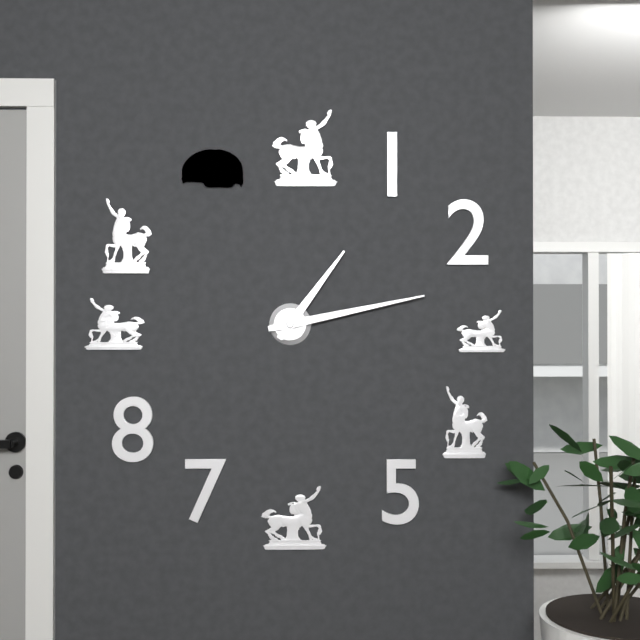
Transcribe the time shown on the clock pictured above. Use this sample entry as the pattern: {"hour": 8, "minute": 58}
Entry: {"hour": 1, "minute": 13}
